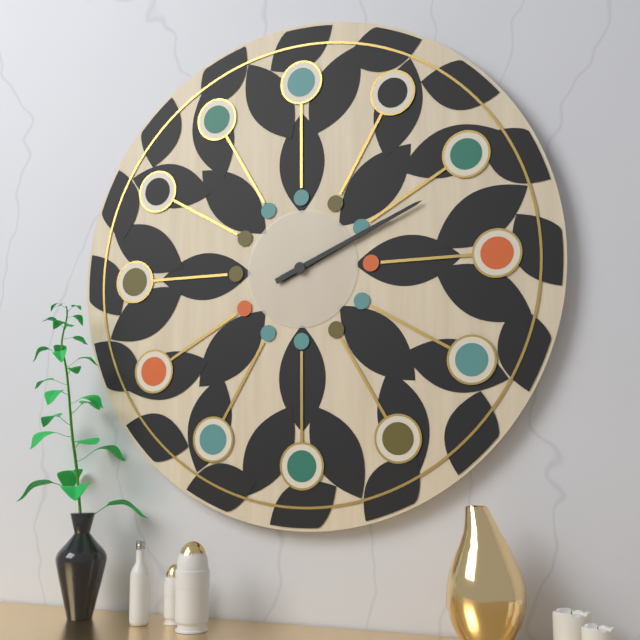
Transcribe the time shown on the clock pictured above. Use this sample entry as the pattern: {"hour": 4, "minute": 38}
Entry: {"hour": 2, "minute": 11}
